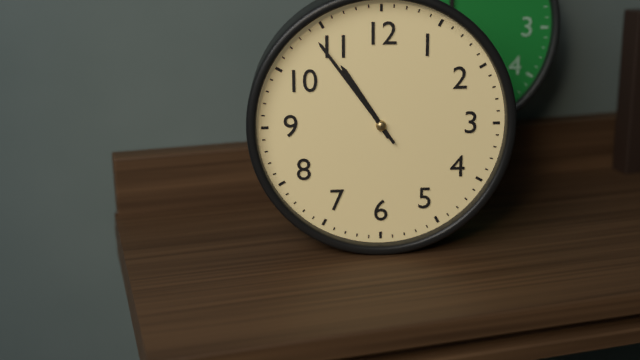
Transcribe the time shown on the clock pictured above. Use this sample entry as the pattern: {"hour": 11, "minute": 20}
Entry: {"hour": 10, "minute": 54}
